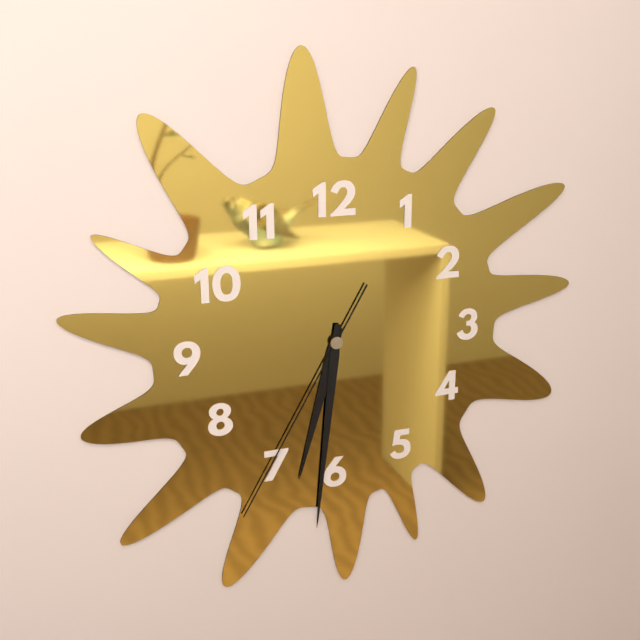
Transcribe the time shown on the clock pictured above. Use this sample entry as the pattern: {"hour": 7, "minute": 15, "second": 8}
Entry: {"hour": 6, "minute": 31, "second": 35}
